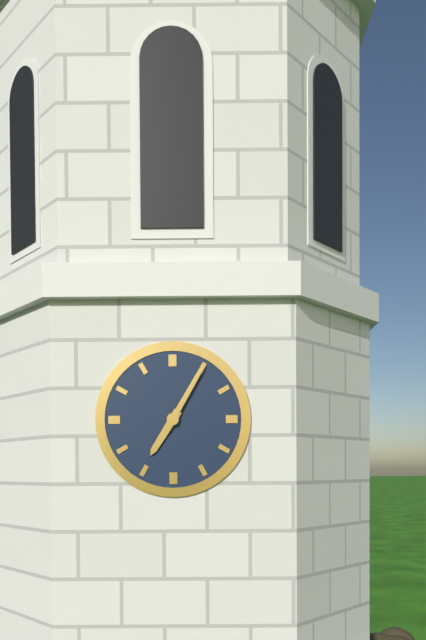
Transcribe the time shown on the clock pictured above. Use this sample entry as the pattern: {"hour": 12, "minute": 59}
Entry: {"hour": 7, "minute": 5}
